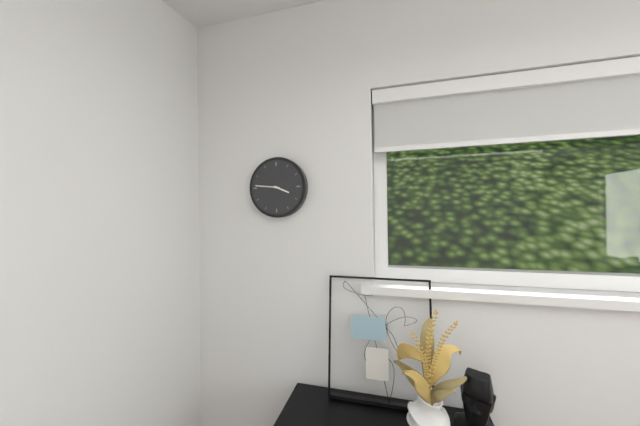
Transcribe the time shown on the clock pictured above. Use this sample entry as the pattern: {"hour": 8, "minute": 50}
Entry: {"hour": 3, "minute": 46}
